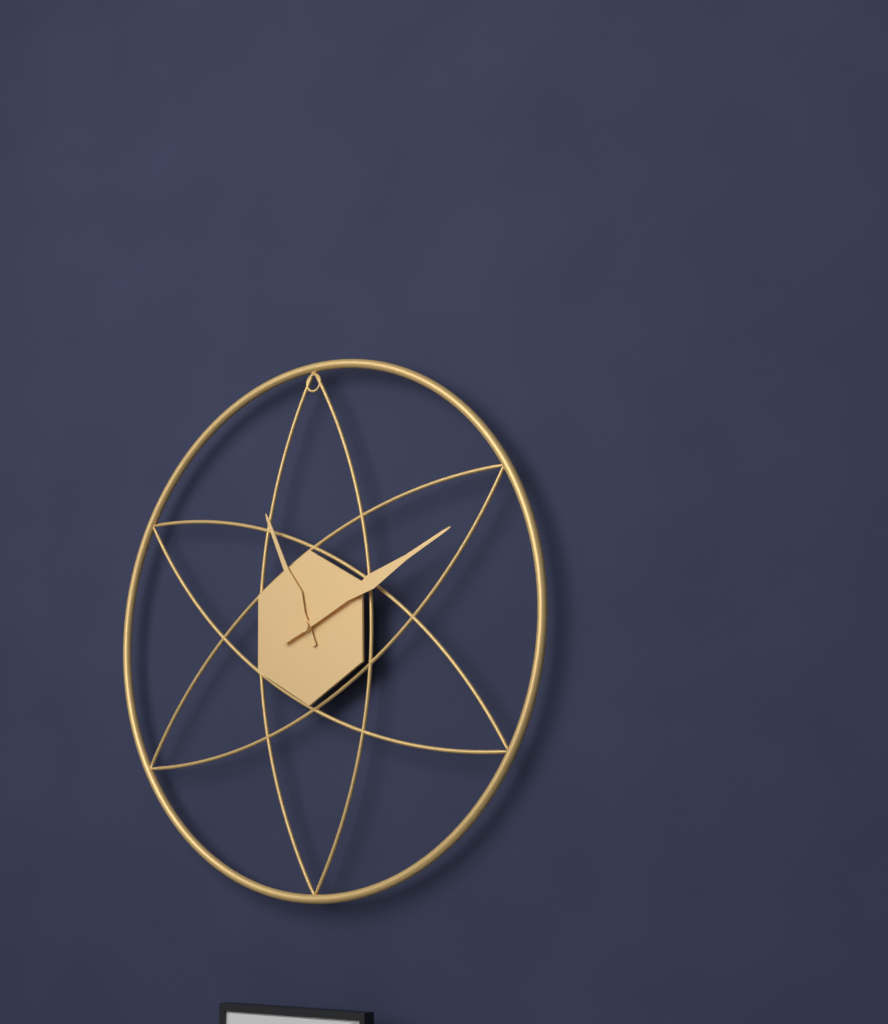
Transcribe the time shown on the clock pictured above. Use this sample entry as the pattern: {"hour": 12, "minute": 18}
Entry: {"hour": 11, "minute": 11}
